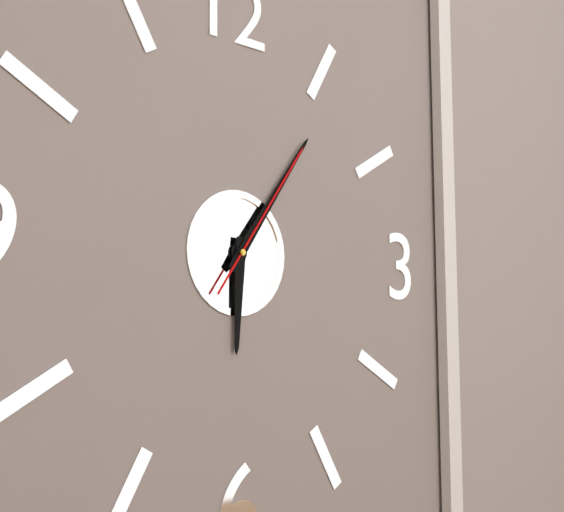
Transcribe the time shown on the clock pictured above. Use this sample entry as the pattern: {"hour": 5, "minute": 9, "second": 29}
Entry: {"hour": 6, "minute": 6, "second": 6}
